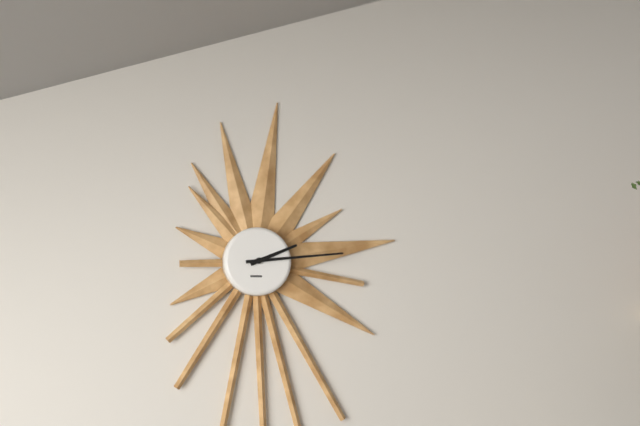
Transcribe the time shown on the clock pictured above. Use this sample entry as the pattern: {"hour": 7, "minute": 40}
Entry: {"hour": 2, "minute": 14}
